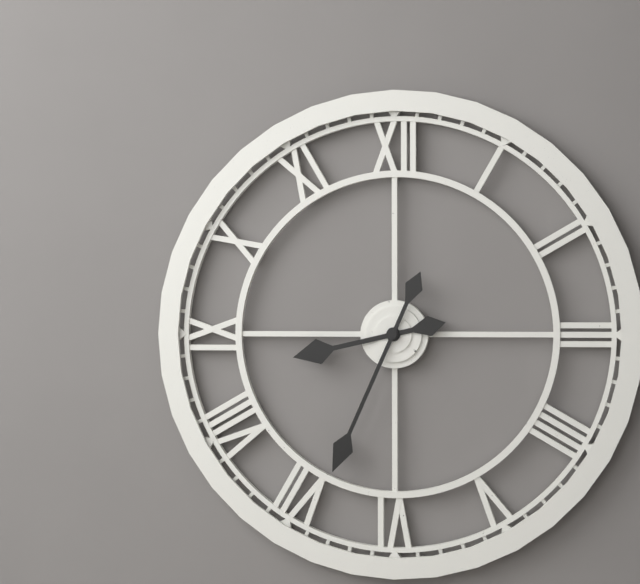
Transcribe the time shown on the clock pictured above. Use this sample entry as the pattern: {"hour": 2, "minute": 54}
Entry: {"hour": 8, "minute": 34}
